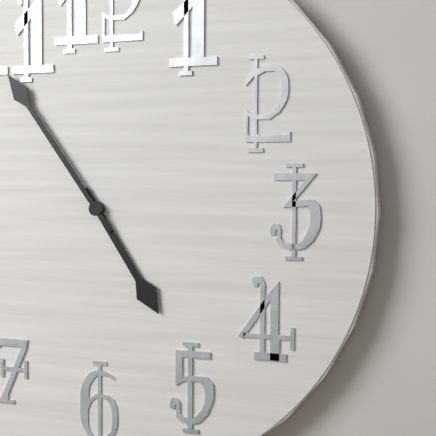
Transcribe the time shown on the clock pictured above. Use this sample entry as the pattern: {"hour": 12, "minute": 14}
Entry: {"hour": 4, "minute": 54}
